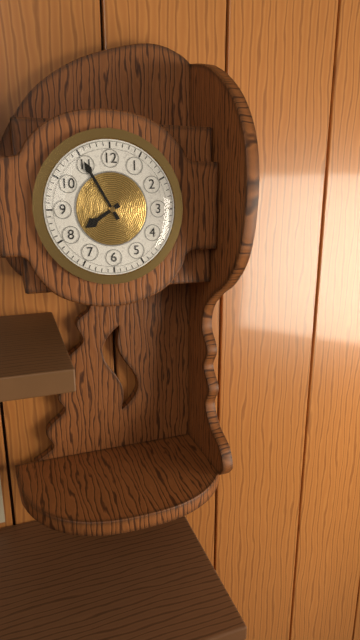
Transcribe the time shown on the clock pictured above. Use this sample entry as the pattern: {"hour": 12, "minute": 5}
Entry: {"hour": 7, "minute": 55}
